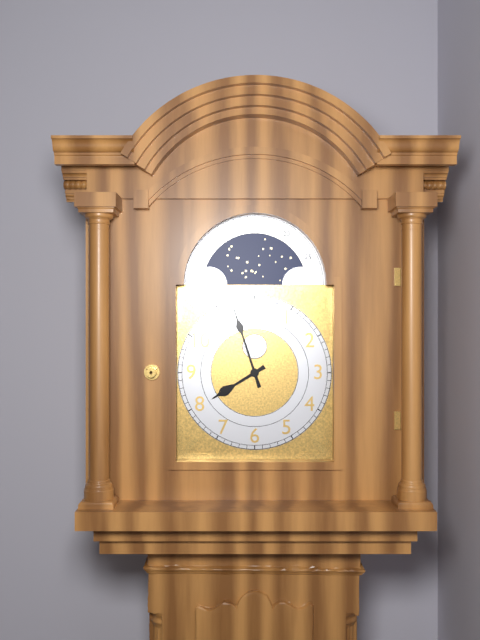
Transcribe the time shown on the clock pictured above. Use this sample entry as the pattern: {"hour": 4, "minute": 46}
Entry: {"hour": 7, "minute": 57}
